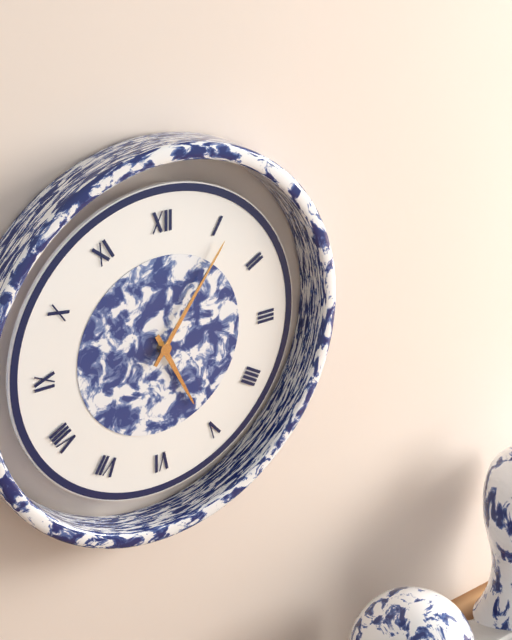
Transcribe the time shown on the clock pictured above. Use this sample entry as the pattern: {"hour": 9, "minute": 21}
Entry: {"hour": 5, "minute": 6}
